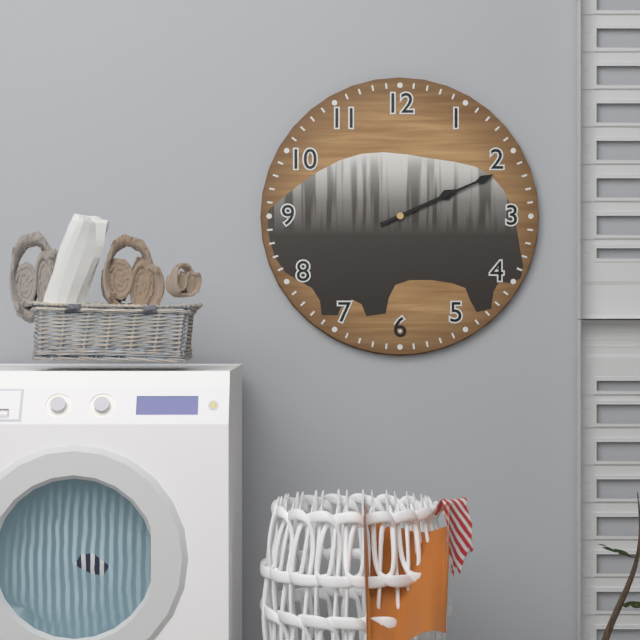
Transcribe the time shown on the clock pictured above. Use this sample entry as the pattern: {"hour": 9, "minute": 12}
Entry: {"hour": 2, "minute": 11}
